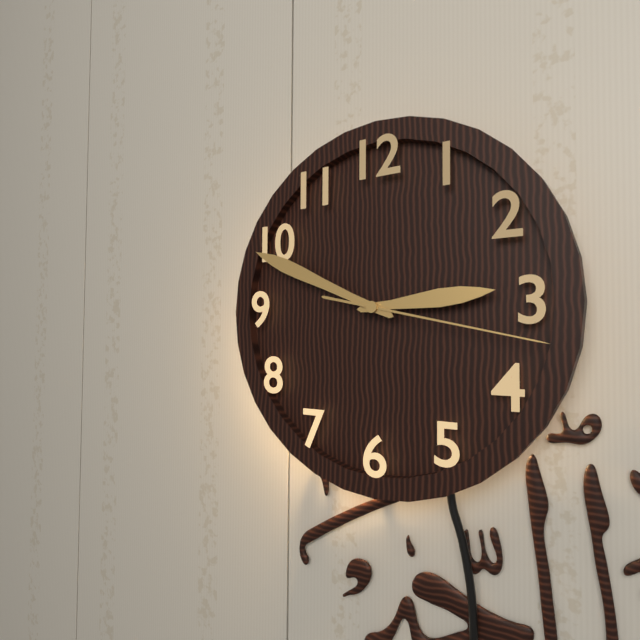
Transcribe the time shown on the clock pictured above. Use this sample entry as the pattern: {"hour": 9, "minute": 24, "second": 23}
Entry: {"hour": 2, "minute": 49, "second": 17}
